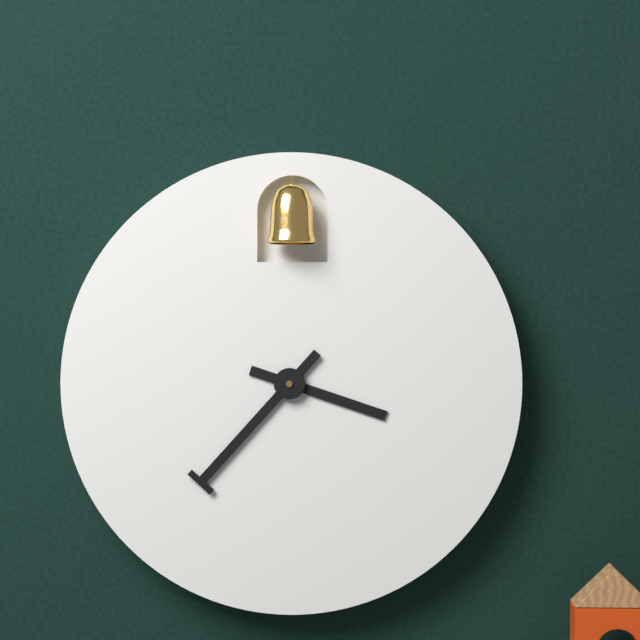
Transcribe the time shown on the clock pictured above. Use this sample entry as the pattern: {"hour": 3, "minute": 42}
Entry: {"hour": 3, "minute": 37}
